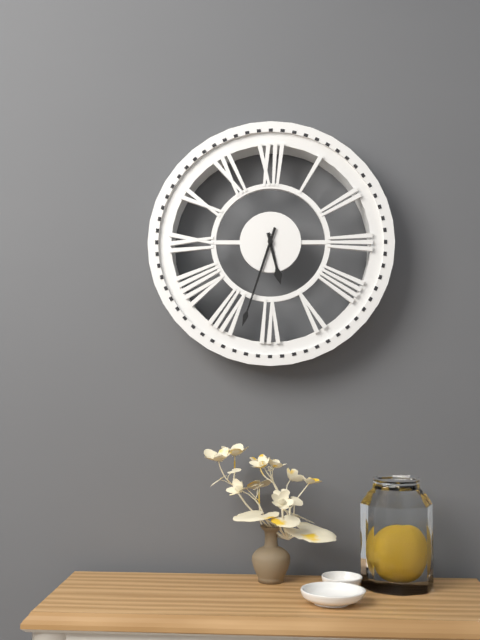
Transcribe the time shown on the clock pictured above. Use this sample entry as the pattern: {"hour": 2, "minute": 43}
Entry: {"hour": 5, "minute": 33}
